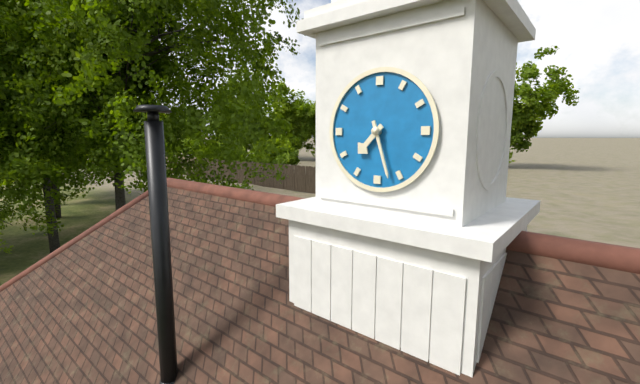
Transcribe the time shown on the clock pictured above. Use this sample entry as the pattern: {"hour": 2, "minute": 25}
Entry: {"hour": 7, "minute": 27}
